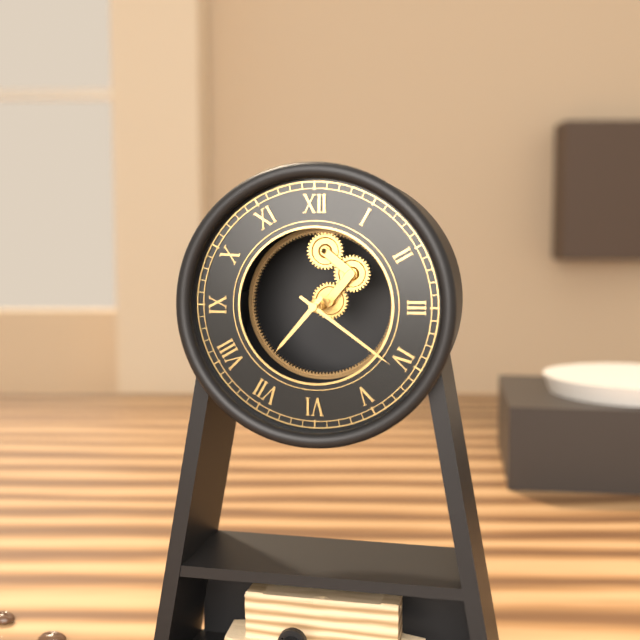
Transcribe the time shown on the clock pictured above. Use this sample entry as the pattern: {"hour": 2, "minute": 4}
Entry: {"hour": 7, "minute": 21}
